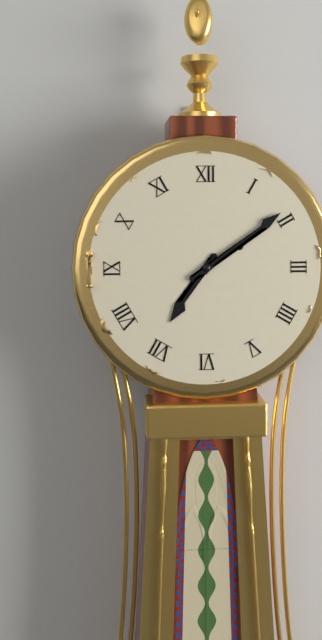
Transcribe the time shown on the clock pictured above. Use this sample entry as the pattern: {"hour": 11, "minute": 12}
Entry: {"hour": 7, "minute": 9}
